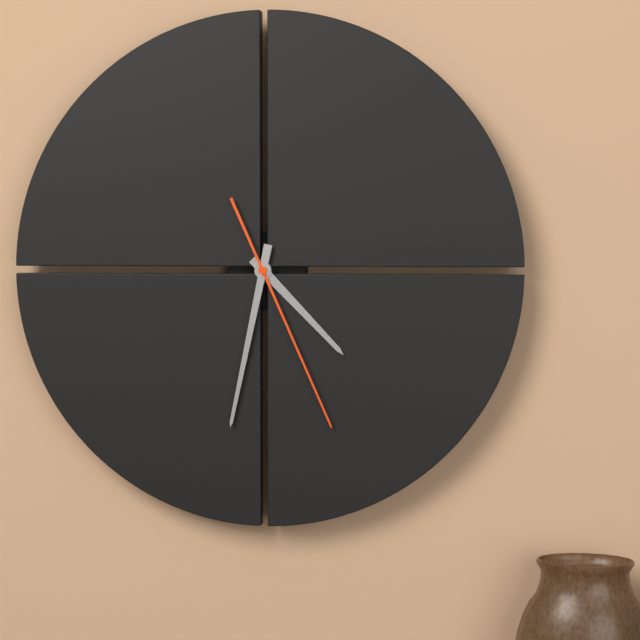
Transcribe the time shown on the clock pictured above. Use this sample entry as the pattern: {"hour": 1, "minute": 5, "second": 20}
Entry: {"hour": 4, "minute": 32, "second": 26}
